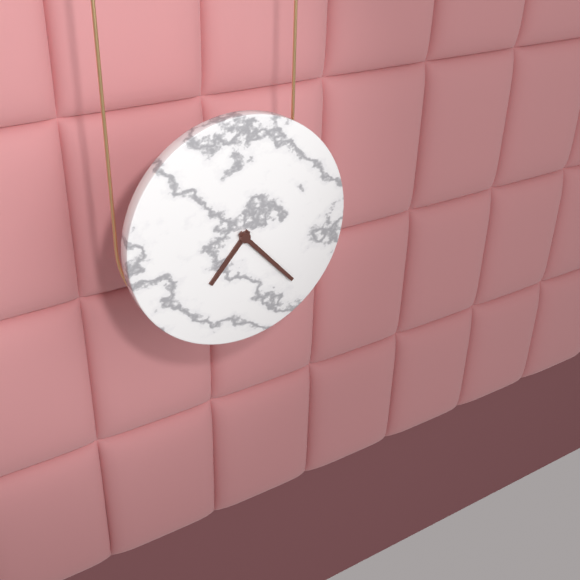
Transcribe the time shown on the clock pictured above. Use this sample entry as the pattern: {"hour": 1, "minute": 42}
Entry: {"hour": 7, "minute": 23}
